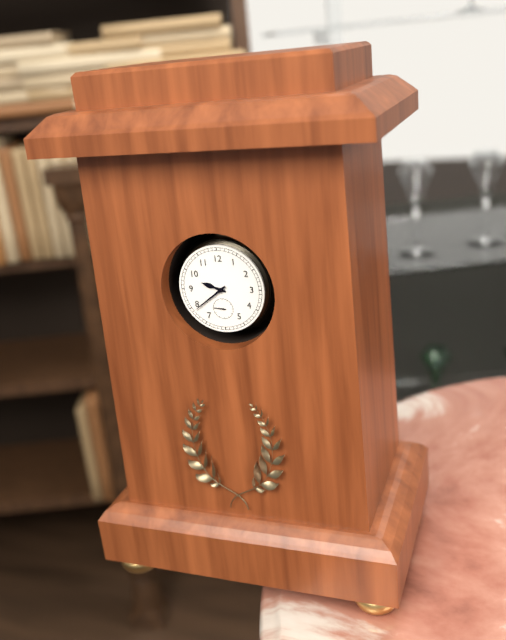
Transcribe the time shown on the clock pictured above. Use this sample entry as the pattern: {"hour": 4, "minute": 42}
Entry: {"hour": 9, "minute": 39}
